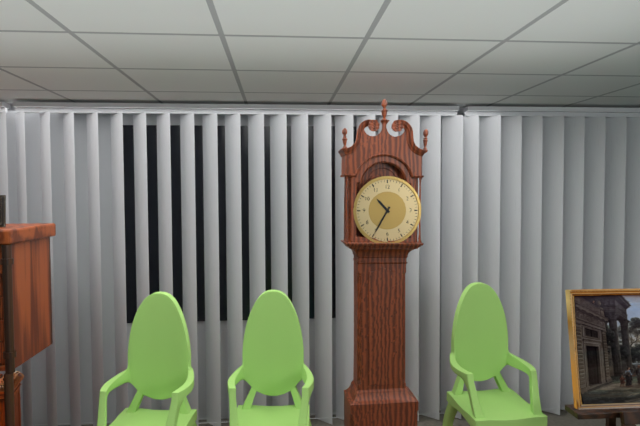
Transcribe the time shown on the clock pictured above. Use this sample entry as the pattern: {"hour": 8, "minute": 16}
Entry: {"hour": 10, "minute": 35}
